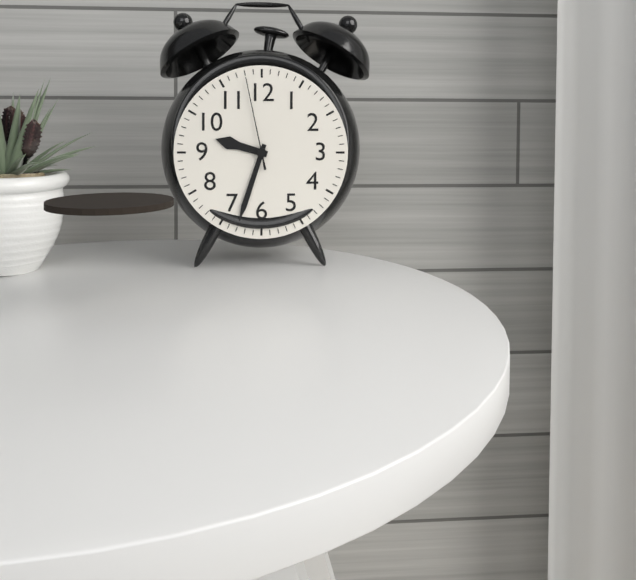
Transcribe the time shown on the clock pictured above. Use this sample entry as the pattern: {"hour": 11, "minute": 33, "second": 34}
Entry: {"hour": 9, "minute": 33, "second": 58}
